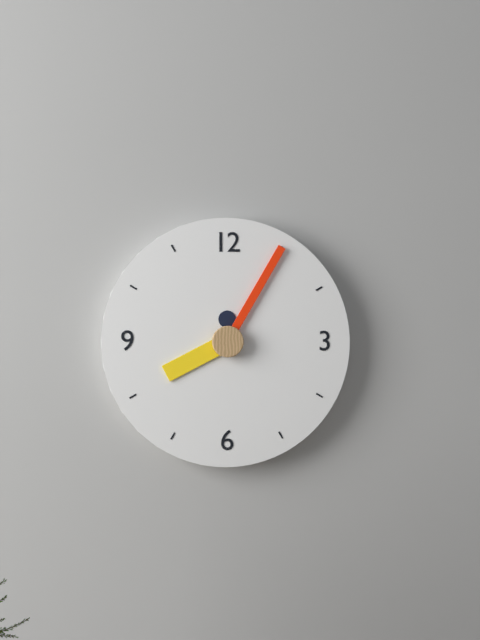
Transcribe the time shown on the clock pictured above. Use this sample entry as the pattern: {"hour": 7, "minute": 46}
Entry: {"hour": 8, "minute": 5}
